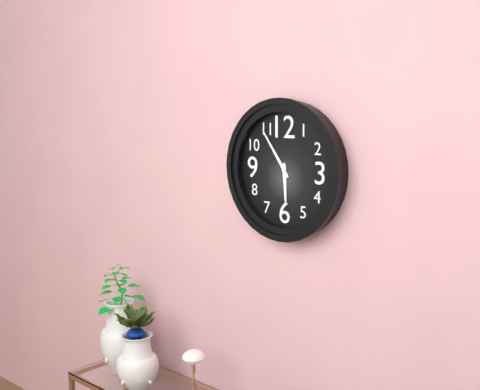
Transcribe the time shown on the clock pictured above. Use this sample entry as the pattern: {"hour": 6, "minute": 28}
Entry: {"hour": 5, "minute": 54}
